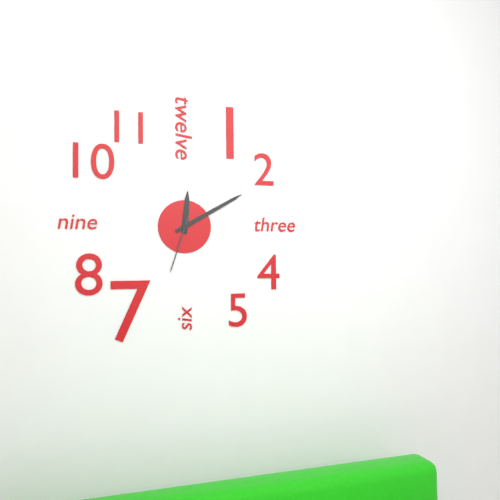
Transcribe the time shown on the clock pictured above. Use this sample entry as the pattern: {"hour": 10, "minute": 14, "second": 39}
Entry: {"hour": 12, "minute": 10, "second": 33}
